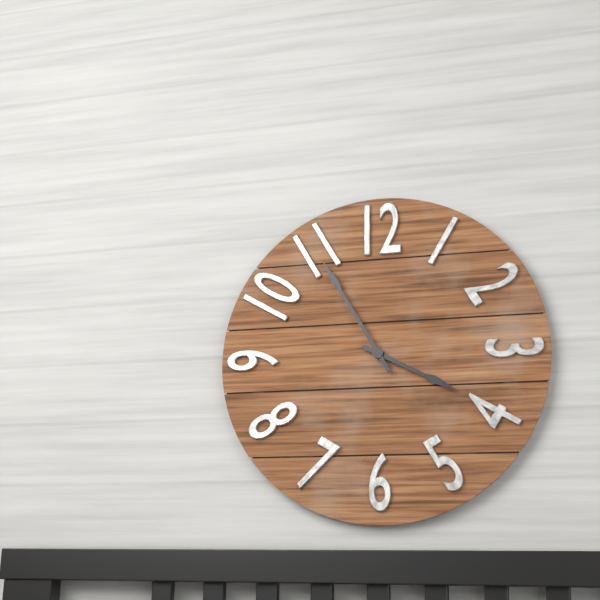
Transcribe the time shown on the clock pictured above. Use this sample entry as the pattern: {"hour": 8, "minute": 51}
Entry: {"hour": 3, "minute": 55}
